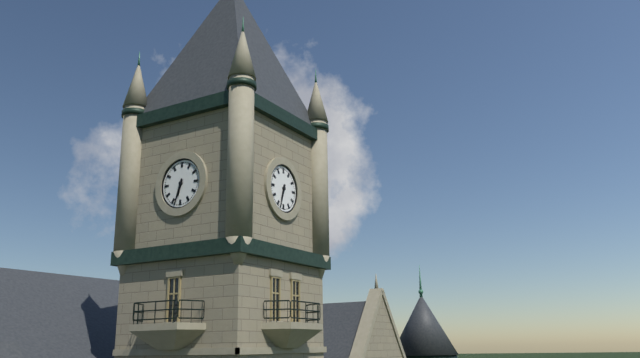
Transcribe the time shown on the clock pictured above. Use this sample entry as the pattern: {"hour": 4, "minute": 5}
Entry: {"hour": 6, "minute": 33}
